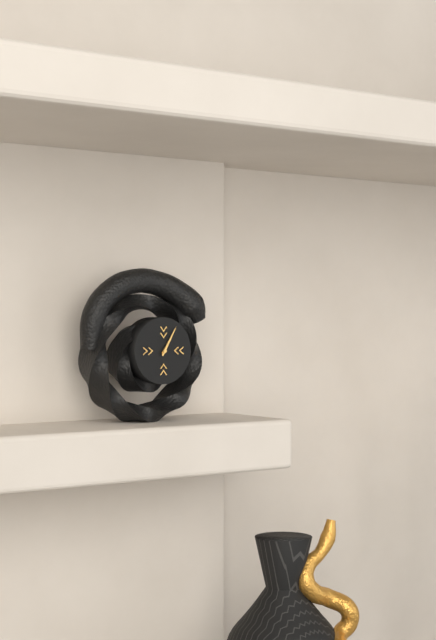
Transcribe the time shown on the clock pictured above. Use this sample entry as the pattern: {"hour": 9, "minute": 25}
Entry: {"hour": 1, "minute": 5}
